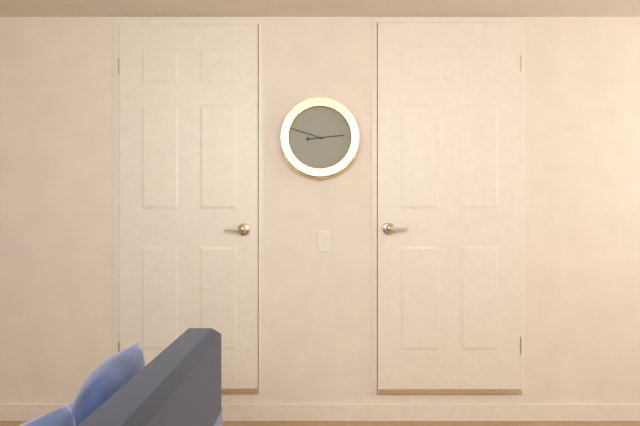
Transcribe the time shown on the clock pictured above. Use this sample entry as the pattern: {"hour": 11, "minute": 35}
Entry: {"hour": 2, "minute": 48}
